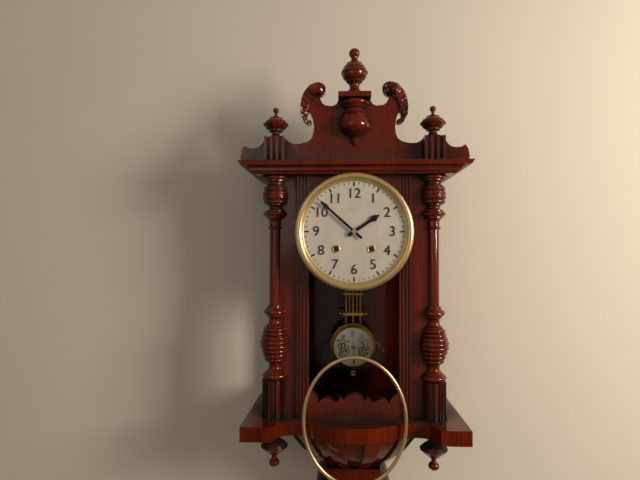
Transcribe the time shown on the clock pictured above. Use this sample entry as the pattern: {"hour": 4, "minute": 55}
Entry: {"hour": 1, "minute": 52}
